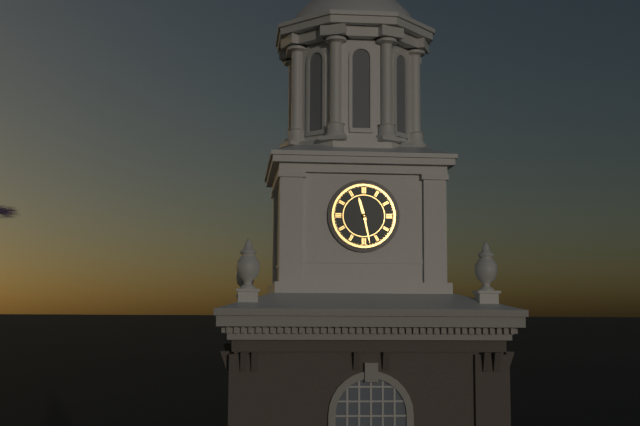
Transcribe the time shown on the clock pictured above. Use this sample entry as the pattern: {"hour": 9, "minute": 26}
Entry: {"hour": 11, "minute": 28}
